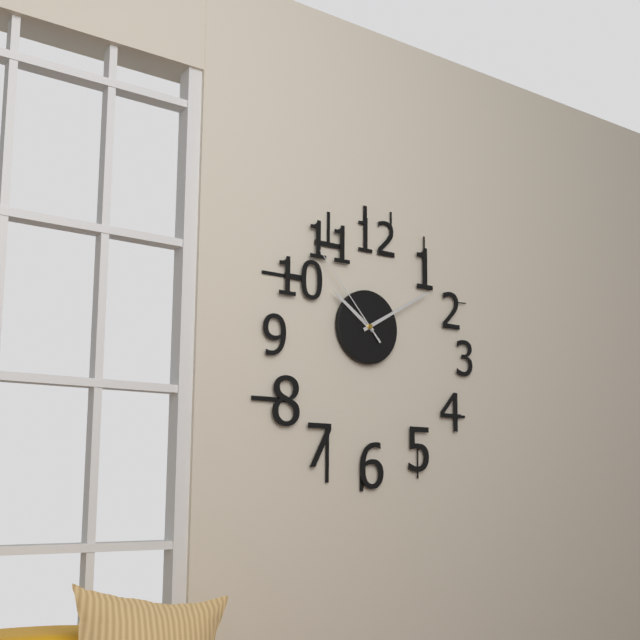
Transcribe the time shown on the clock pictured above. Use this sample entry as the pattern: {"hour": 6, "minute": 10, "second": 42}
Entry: {"hour": 10, "minute": 10, "second": 53}
